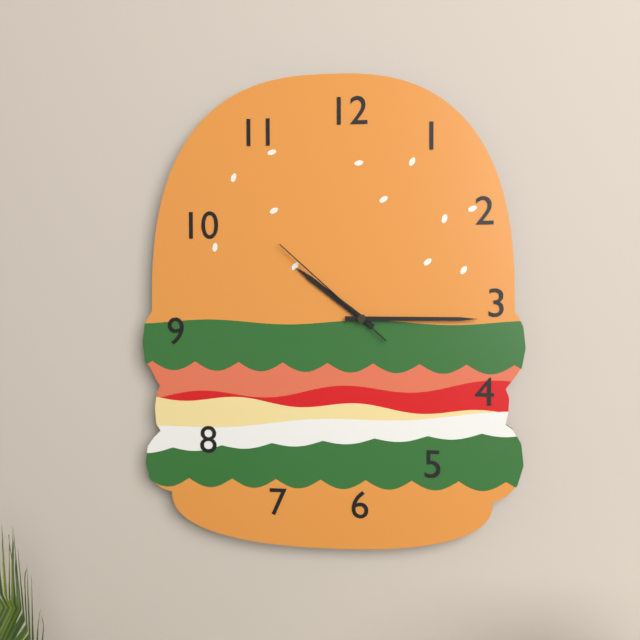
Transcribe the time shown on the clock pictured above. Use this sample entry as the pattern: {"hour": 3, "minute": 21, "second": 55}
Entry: {"hour": 10, "minute": 15, "second": 52}
